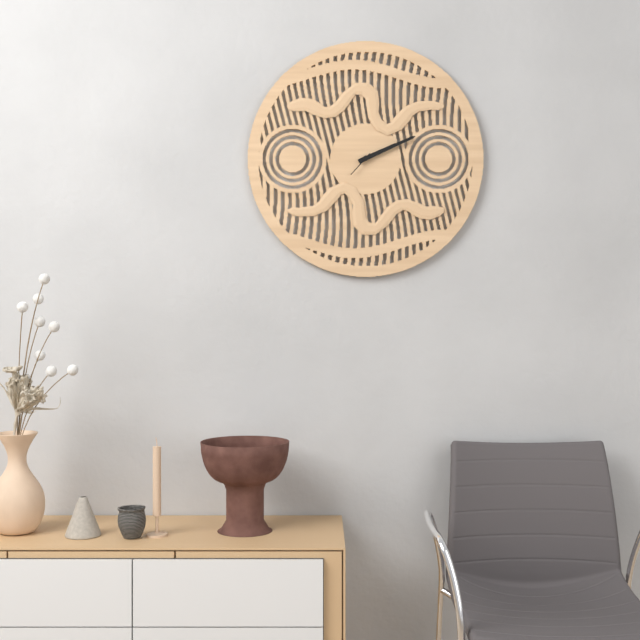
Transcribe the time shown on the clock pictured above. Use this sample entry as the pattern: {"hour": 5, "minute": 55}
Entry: {"hour": 2, "minute": 11}
